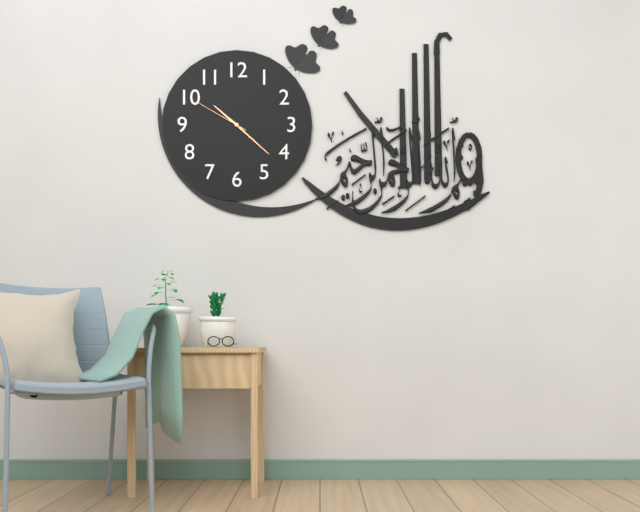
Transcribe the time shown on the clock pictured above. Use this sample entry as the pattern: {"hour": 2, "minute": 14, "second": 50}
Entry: {"hour": 10, "minute": 22, "second": 50}
